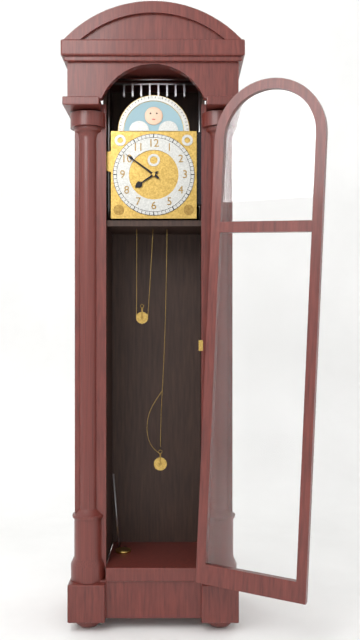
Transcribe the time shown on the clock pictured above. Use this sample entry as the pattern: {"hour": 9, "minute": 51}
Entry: {"hour": 7, "minute": 51}
